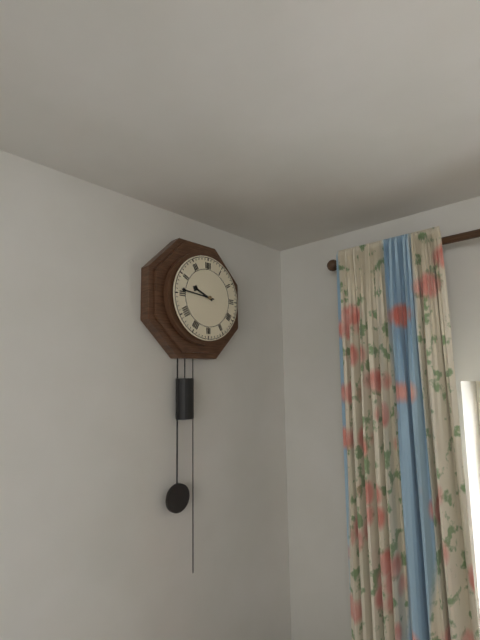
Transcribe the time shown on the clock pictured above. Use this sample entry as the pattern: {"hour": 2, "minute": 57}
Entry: {"hour": 9, "minute": 46}
